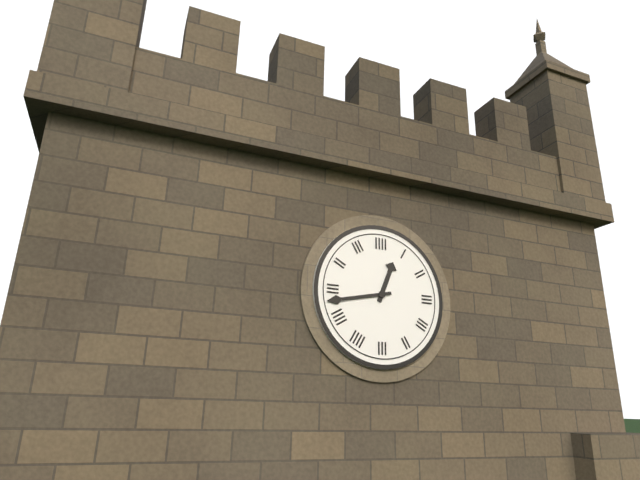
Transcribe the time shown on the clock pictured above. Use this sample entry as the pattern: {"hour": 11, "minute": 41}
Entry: {"hour": 12, "minute": 43}
